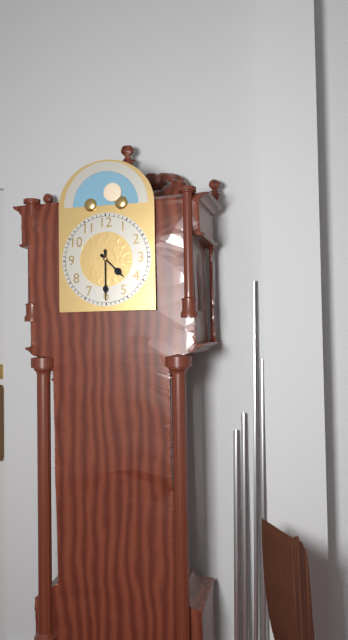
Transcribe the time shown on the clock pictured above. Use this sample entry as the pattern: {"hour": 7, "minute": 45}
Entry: {"hour": 4, "minute": 30}
